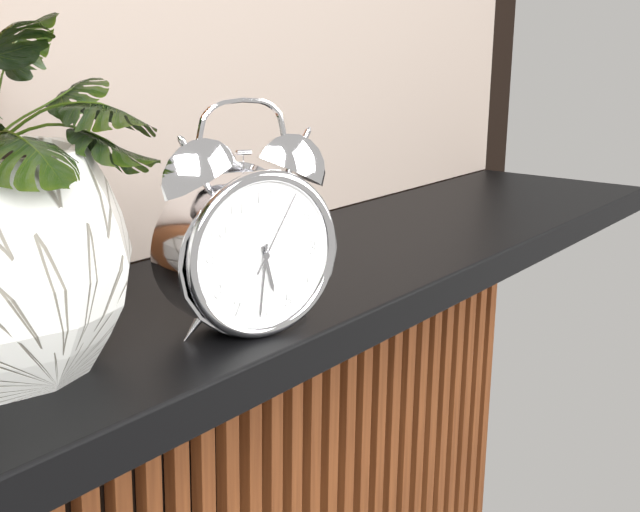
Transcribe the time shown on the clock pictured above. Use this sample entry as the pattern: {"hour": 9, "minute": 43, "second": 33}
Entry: {"hour": 5, "minute": 31, "second": 5}
